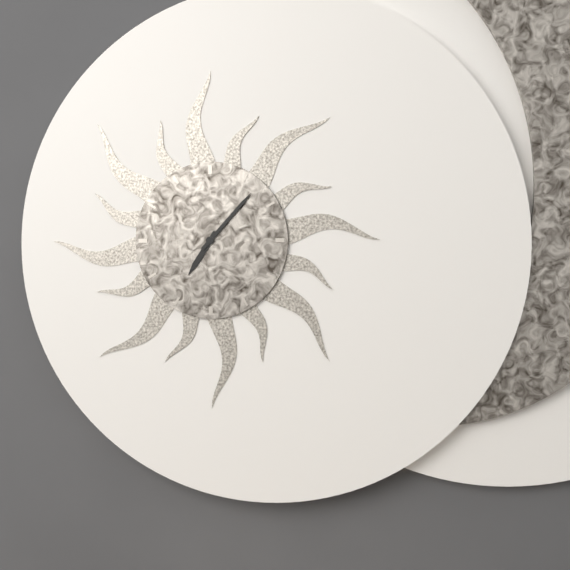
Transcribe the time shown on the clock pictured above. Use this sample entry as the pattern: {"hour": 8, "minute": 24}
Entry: {"hour": 7, "minute": 7}
